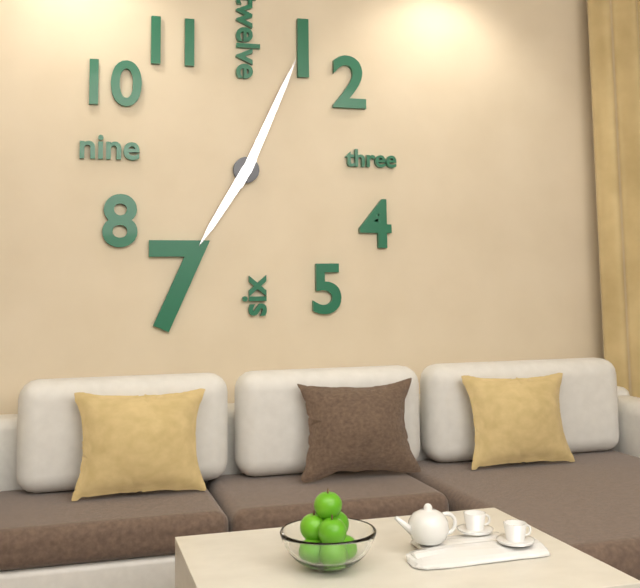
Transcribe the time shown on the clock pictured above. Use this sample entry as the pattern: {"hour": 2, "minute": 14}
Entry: {"hour": 7, "minute": 4}
